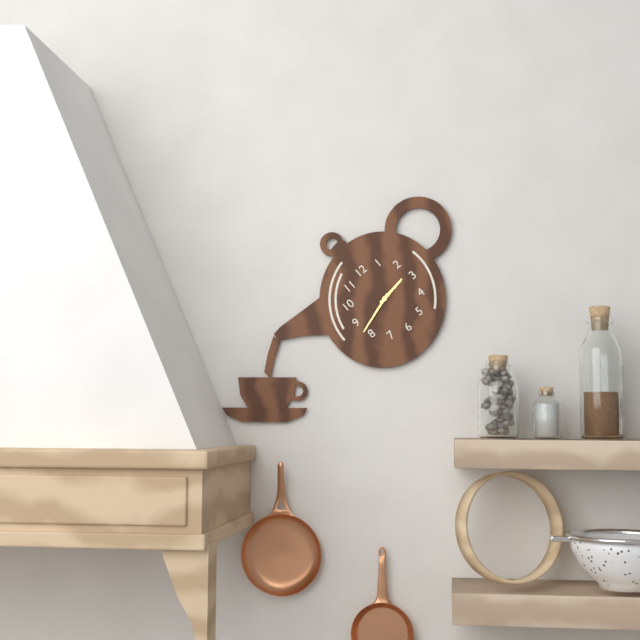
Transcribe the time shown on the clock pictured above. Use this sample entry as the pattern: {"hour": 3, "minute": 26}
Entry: {"hour": 2, "minute": 42}
